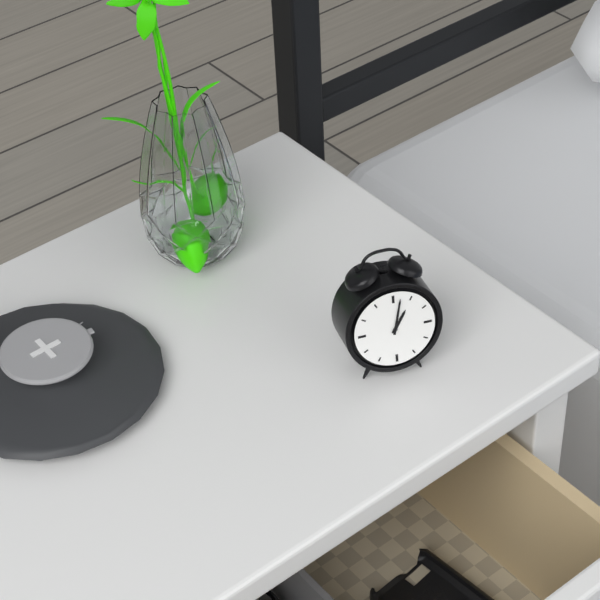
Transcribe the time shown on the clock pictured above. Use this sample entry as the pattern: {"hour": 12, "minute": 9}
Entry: {"hour": 1, "minute": 2}
